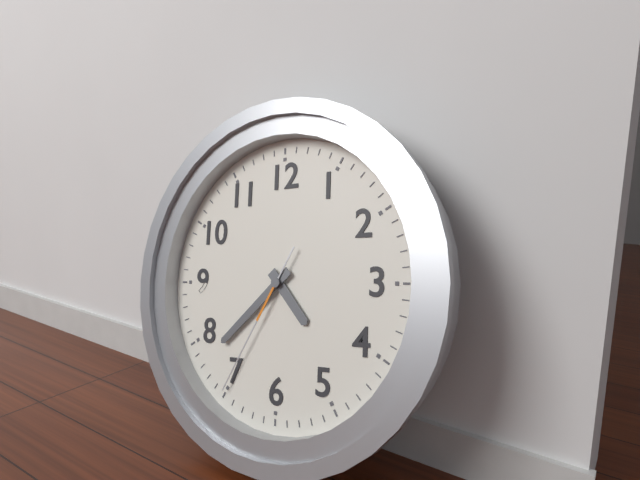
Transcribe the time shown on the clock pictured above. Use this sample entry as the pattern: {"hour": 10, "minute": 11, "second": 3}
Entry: {"hour": 4, "minute": 38, "second": 35}
